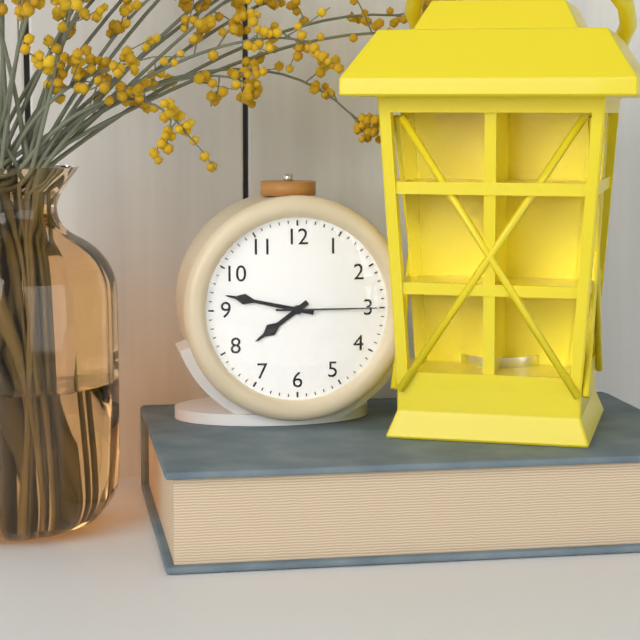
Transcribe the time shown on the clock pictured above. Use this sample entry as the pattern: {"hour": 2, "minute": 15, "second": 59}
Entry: {"hour": 7, "minute": 47, "second": 15}
